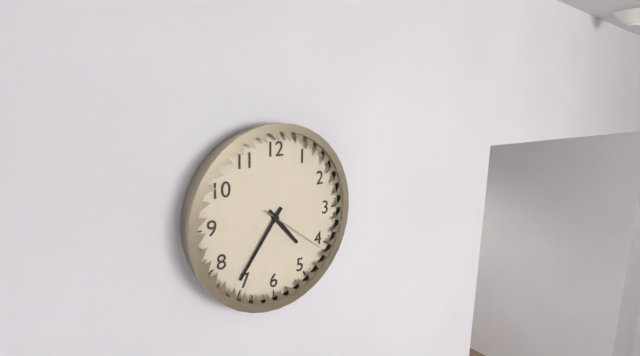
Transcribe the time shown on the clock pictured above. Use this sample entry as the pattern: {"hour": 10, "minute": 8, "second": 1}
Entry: {"hour": 4, "minute": 36, "second": 21}
